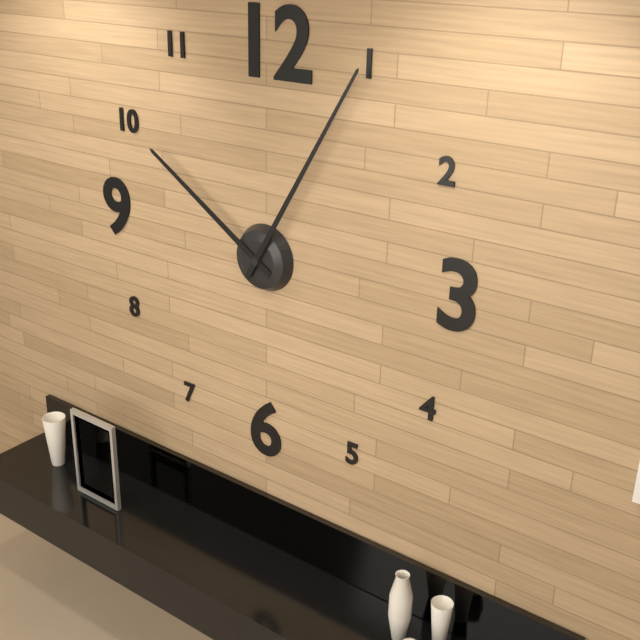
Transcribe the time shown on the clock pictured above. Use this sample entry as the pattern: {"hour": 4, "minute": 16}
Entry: {"hour": 10, "minute": 5}
